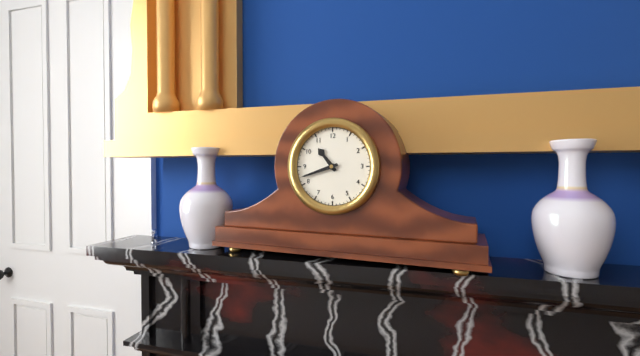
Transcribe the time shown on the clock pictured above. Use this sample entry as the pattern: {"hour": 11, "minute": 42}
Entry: {"hour": 10, "minute": 42}
